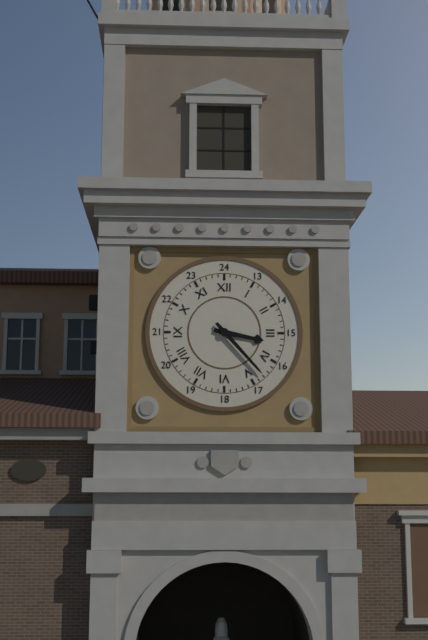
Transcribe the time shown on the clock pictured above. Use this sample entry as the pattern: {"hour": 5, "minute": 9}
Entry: {"hour": 3, "minute": 23}
